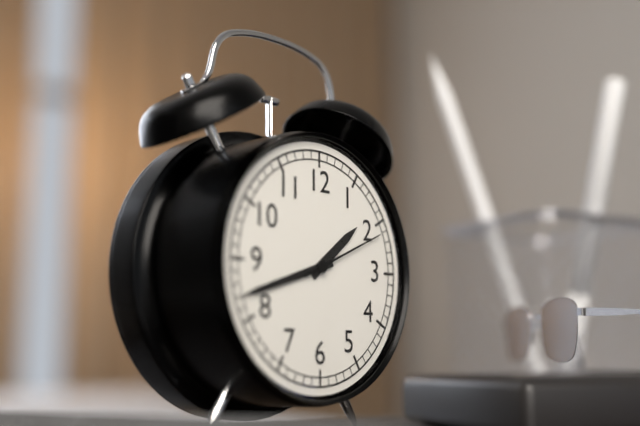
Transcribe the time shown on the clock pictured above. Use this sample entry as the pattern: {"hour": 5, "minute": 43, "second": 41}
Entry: {"hour": 1, "minute": 42, "second": 11}
